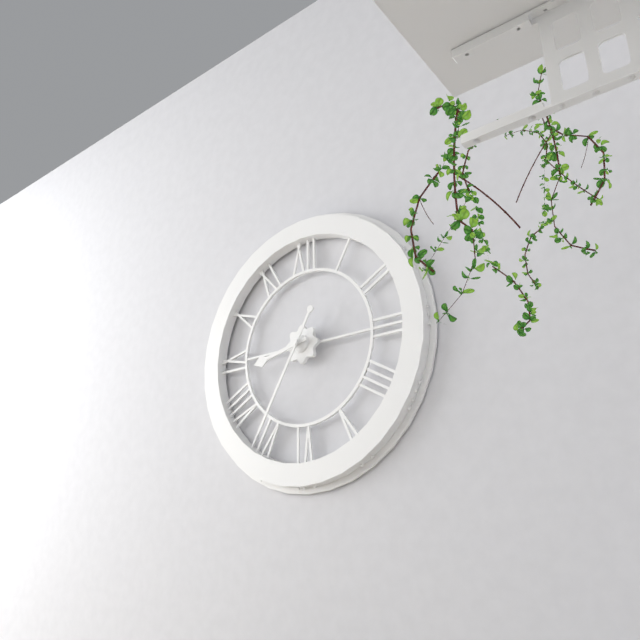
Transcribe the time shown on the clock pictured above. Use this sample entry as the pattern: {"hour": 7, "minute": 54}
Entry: {"hour": 8, "minute": 35}
